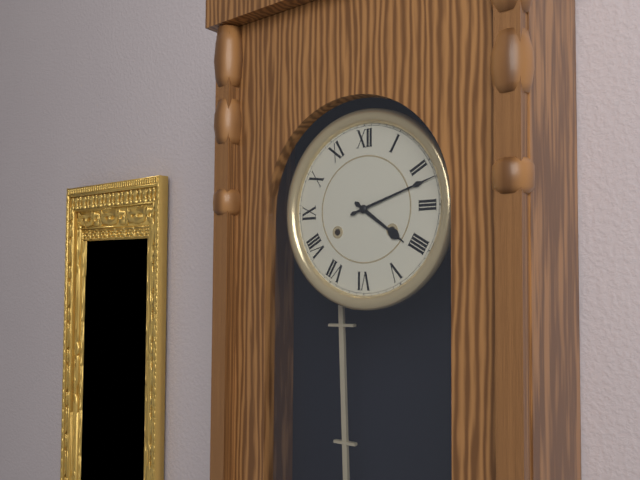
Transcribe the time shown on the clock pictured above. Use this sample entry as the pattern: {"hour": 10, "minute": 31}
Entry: {"hour": 4, "minute": 12}
